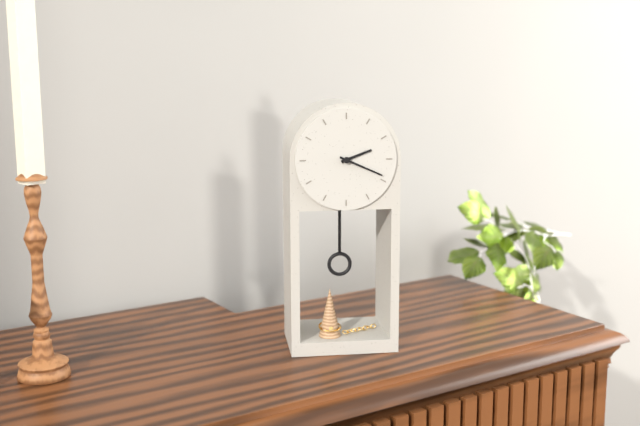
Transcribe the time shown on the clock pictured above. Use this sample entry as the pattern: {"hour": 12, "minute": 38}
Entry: {"hour": 2, "minute": 19}
